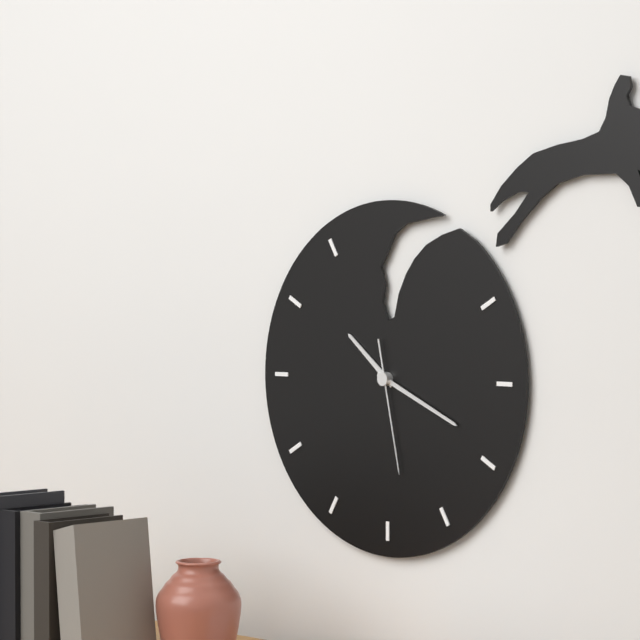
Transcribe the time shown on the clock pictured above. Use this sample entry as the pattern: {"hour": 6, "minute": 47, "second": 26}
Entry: {"hour": 10, "minute": 19, "second": 28}
